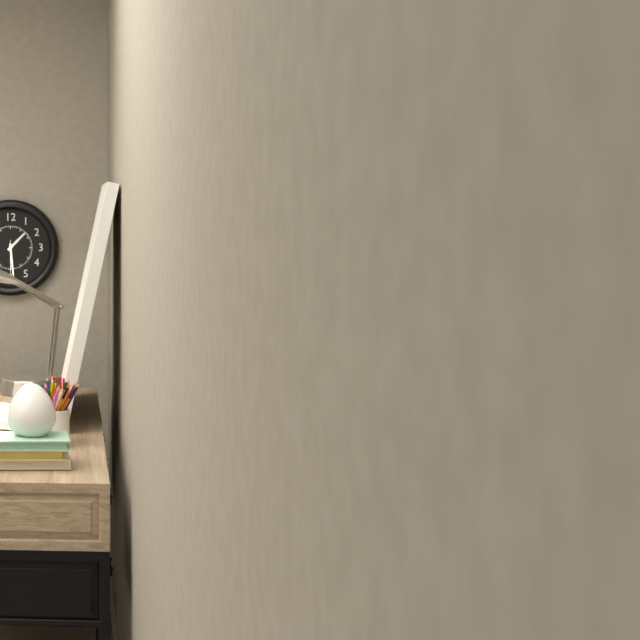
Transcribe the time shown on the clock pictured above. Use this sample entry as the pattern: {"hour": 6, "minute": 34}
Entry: {"hour": 1, "minute": 29}
